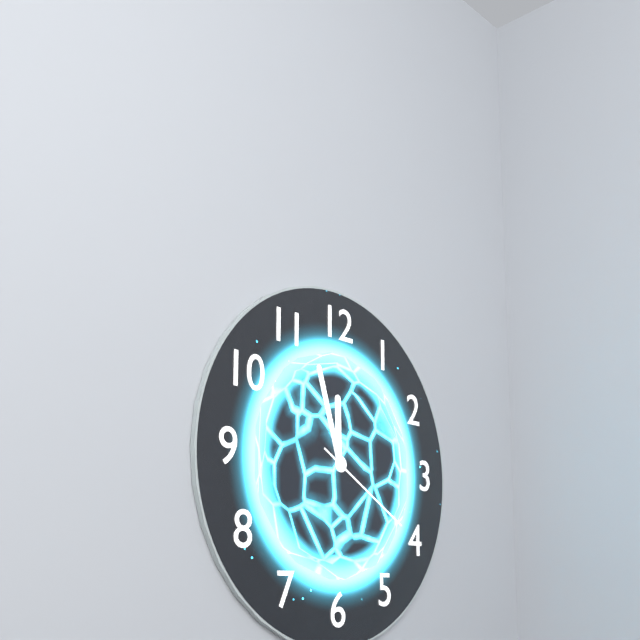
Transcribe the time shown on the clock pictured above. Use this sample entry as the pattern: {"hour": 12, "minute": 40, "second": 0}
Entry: {"hour": 11, "minute": 57, "second": 20}
